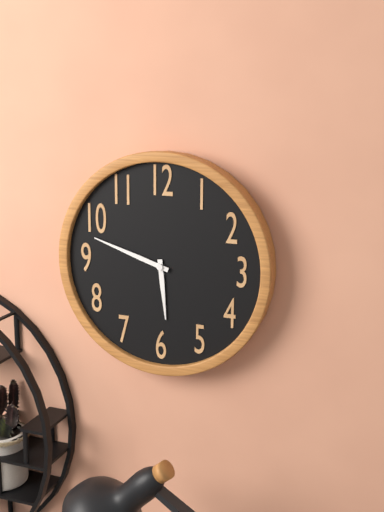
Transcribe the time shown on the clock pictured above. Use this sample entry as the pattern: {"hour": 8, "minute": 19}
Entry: {"hour": 5, "minute": 48}
